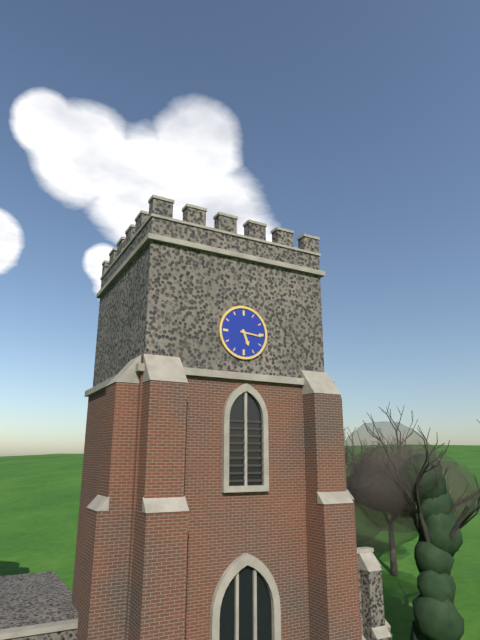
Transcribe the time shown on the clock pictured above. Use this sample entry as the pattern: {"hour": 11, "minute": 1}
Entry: {"hour": 5, "minute": 16}
